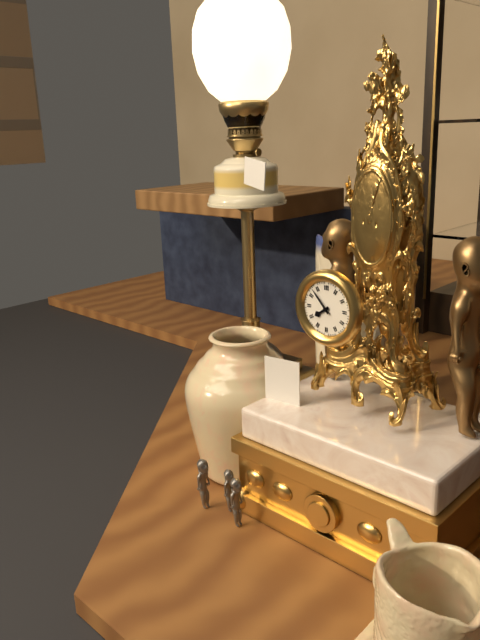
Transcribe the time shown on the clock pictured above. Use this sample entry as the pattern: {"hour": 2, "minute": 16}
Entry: {"hour": 7, "minute": 53}
